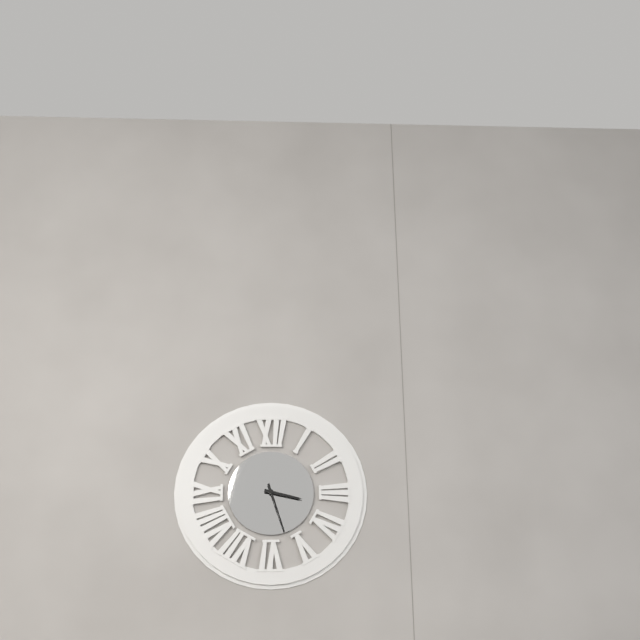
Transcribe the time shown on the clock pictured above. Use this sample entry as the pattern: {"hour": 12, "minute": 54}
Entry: {"hour": 3, "minute": 27}
